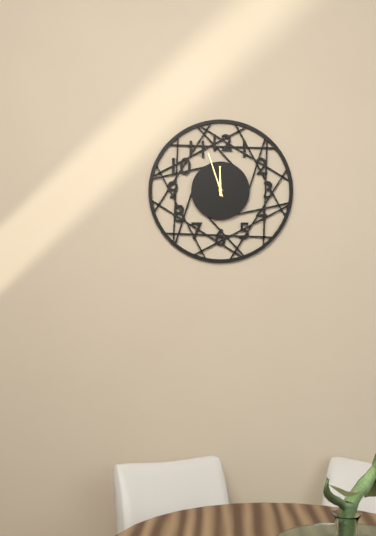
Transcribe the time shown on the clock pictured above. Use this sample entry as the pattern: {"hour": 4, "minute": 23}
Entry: {"hour": 11, "minute": 57}
